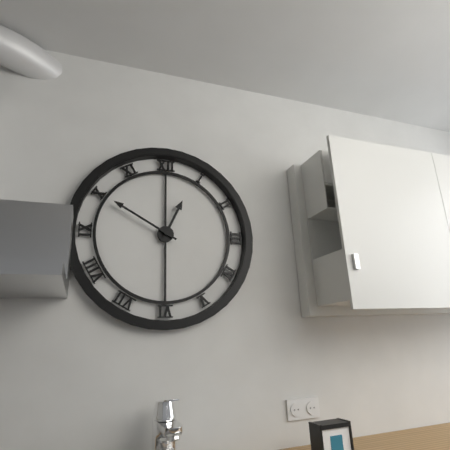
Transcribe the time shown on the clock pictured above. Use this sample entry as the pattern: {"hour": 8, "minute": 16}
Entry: {"hour": 12, "minute": 50}
